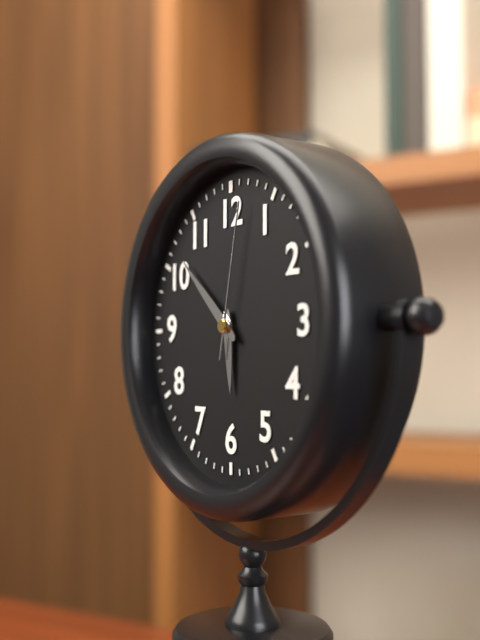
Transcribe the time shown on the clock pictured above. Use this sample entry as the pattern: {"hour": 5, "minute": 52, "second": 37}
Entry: {"hour": 5, "minute": 52, "second": 2}
